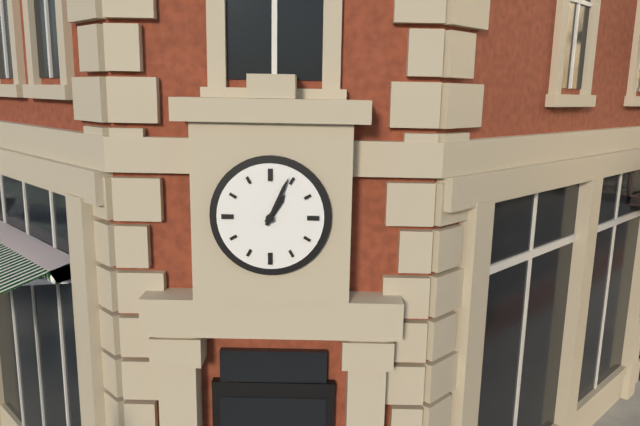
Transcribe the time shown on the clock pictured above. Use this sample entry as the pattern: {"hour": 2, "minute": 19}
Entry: {"hour": 1, "minute": 4}
